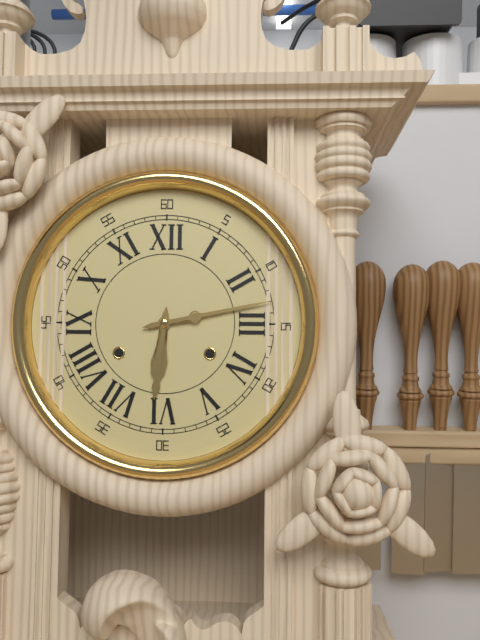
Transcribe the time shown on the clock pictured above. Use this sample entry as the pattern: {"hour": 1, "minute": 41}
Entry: {"hour": 6, "minute": 13}
